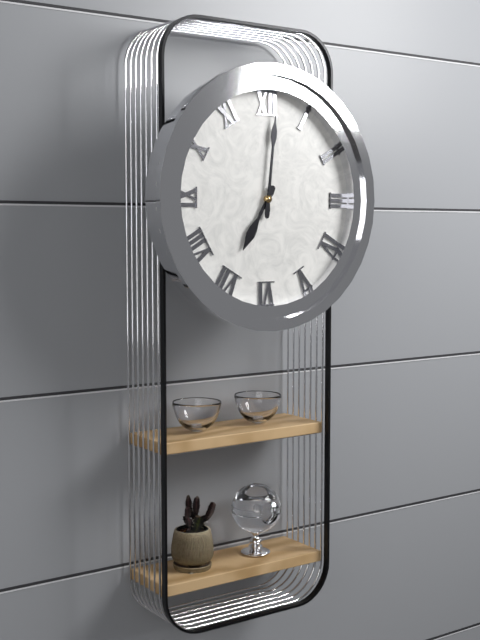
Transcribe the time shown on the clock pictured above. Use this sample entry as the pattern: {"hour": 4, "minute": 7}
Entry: {"hour": 7, "minute": 1}
